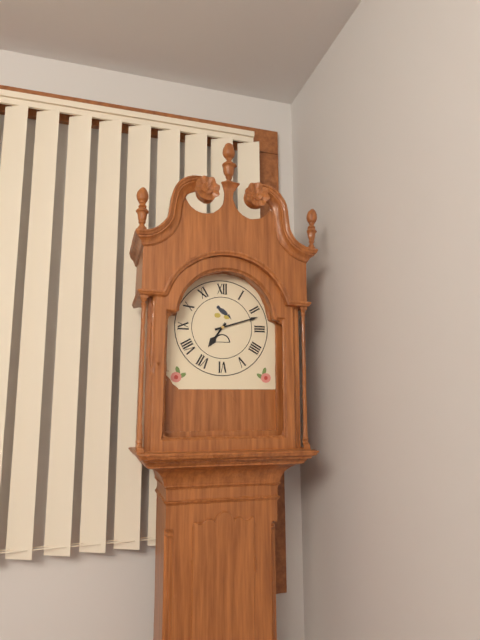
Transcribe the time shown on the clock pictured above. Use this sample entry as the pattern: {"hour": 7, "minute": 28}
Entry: {"hour": 7, "minute": 12}
